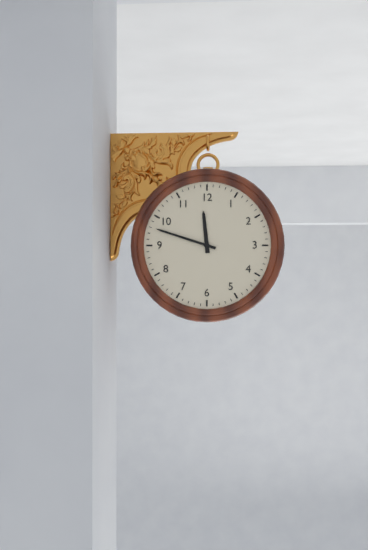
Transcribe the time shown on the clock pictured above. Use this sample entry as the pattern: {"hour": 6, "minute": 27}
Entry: {"hour": 11, "minute": 48}
